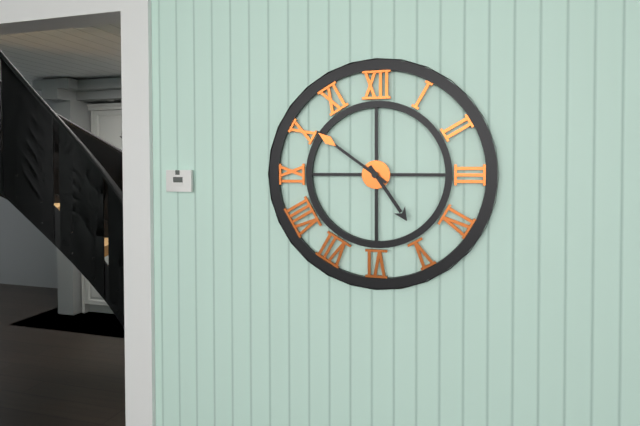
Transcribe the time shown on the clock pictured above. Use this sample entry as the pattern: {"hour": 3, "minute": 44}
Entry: {"hour": 4, "minute": 51}
